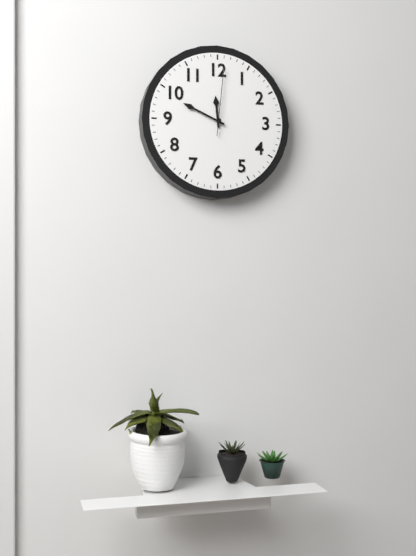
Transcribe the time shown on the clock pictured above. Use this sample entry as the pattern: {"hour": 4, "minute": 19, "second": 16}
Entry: {"hour": 11, "minute": 49, "second": 1}
